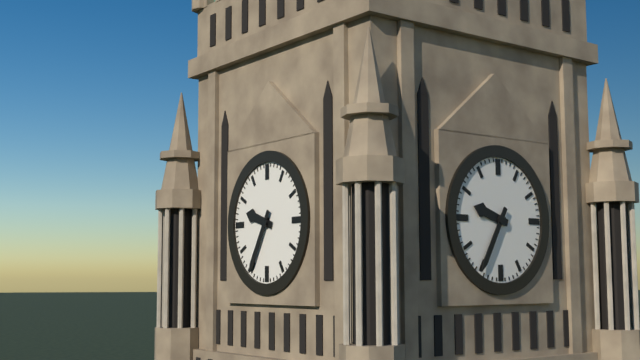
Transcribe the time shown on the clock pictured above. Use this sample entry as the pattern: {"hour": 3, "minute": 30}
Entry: {"hour": 9, "minute": 35}
